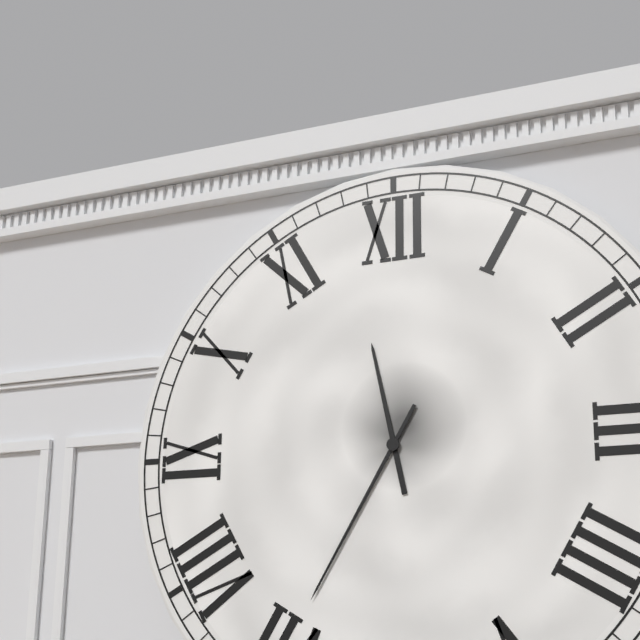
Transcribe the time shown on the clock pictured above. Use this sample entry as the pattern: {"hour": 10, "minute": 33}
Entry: {"hour": 11, "minute": 35}
